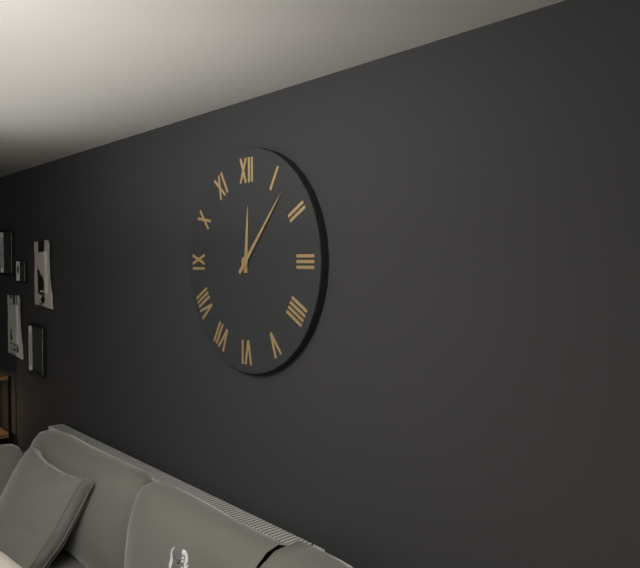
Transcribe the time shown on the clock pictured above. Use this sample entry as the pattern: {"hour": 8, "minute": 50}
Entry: {"hour": 12, "minute": 7}
